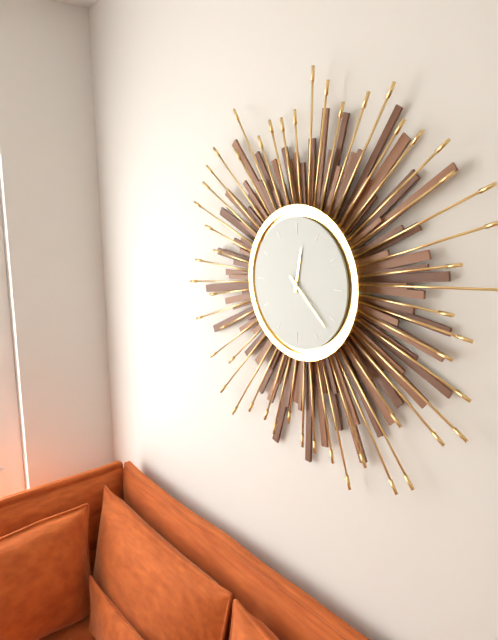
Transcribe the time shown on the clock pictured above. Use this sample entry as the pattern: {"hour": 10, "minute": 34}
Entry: {"hour": 12, "minute": 22}
